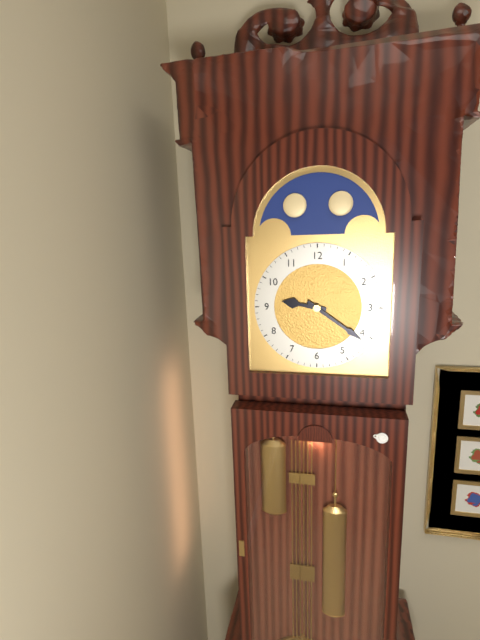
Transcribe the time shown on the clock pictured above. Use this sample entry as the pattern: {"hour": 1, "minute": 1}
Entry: {"hour": 9, "minute": 21}
